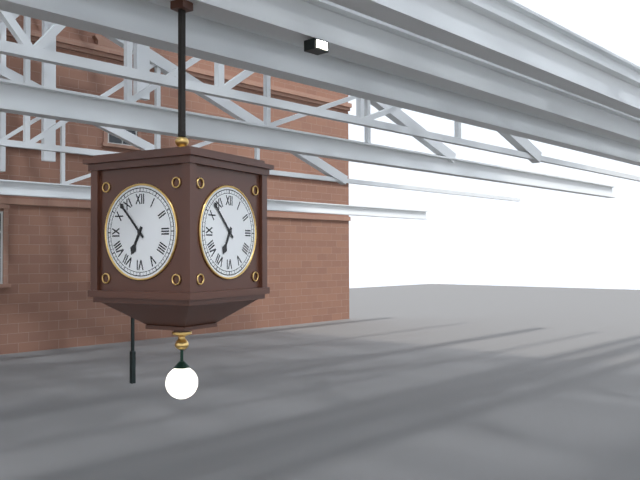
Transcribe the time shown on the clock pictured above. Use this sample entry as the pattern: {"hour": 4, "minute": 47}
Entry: {"hour": 6, "minute": 53}
